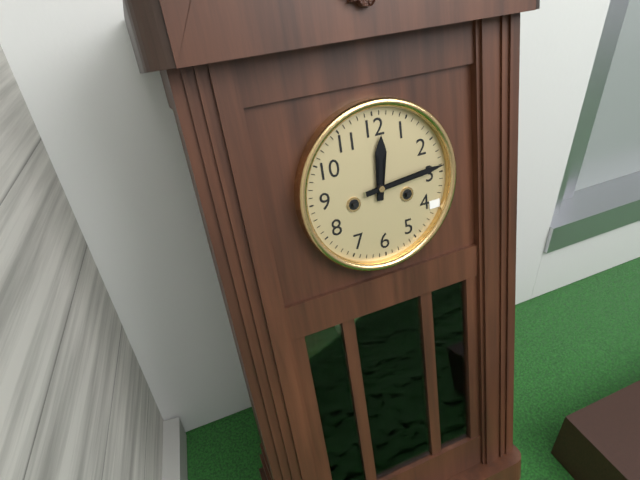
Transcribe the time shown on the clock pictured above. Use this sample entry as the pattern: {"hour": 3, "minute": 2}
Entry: {"hour": 12, "minute": 14}
